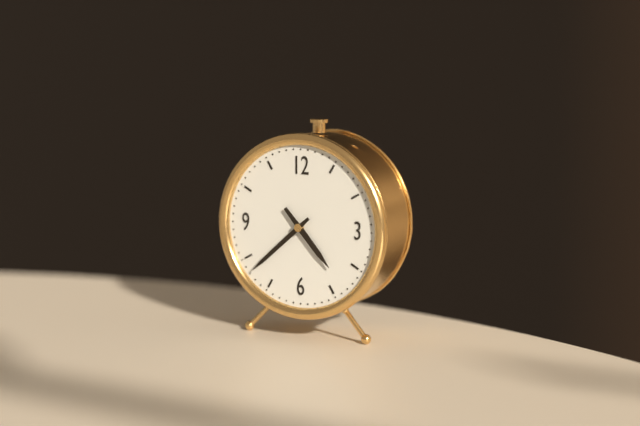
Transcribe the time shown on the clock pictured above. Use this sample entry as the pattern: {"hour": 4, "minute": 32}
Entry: {"hour": 4, "minute": 38}
